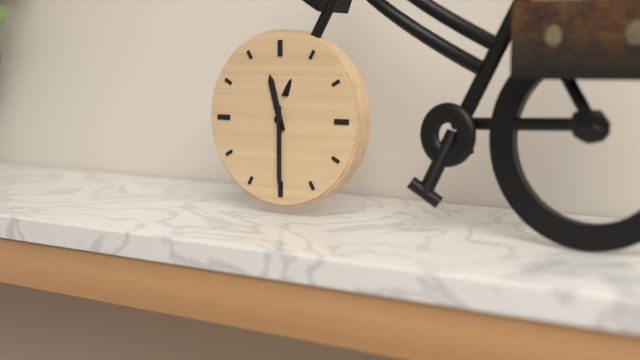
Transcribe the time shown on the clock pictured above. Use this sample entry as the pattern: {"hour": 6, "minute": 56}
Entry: {"hour": 11, "minute": 30}
